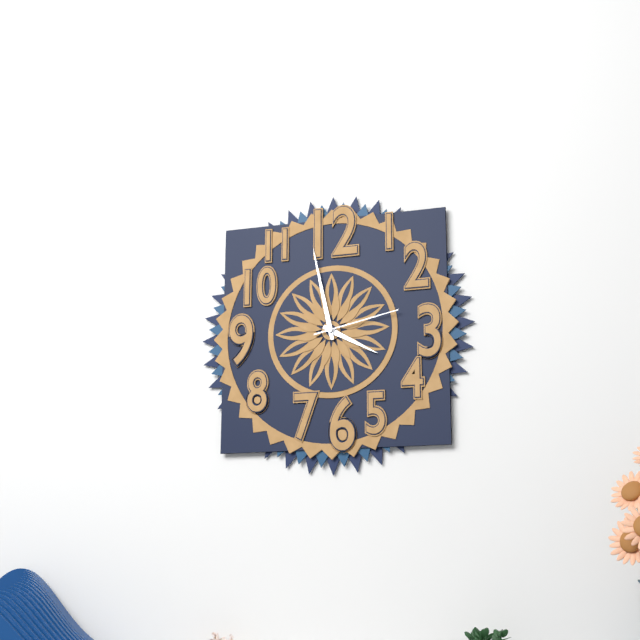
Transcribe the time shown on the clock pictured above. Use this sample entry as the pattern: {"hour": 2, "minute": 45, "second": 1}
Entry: {"hour": 3, "minute": 58, "second": 13}
